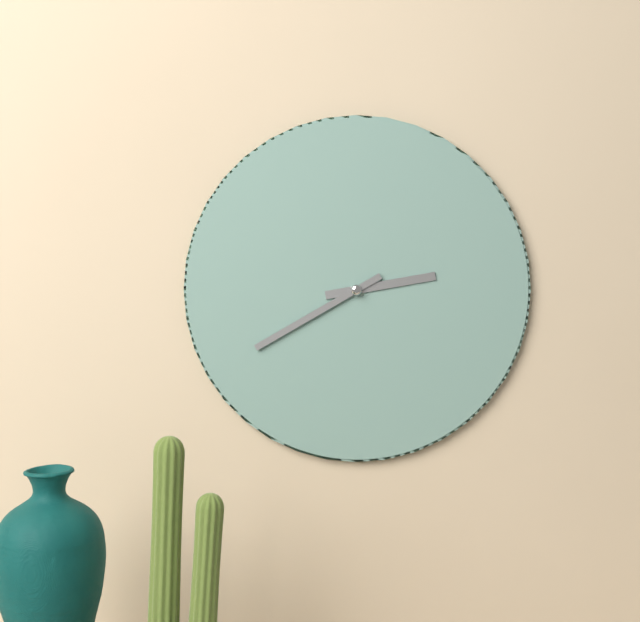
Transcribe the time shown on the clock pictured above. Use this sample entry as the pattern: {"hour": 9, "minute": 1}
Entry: {"hour": 2, "minute": 40}
